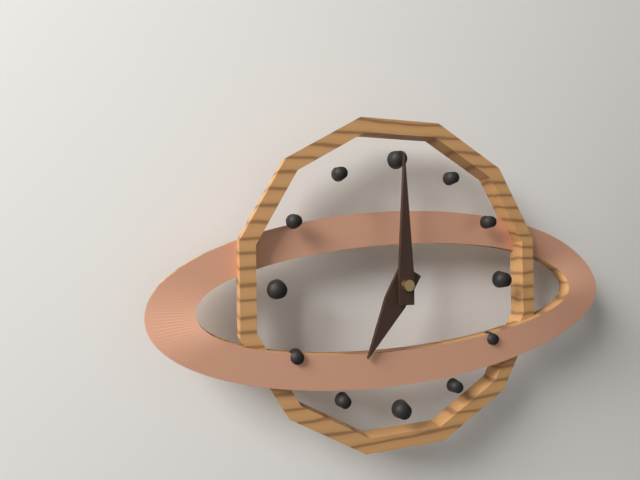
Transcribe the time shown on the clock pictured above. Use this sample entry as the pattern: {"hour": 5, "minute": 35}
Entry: {"hour": 7, "minute": 0}
